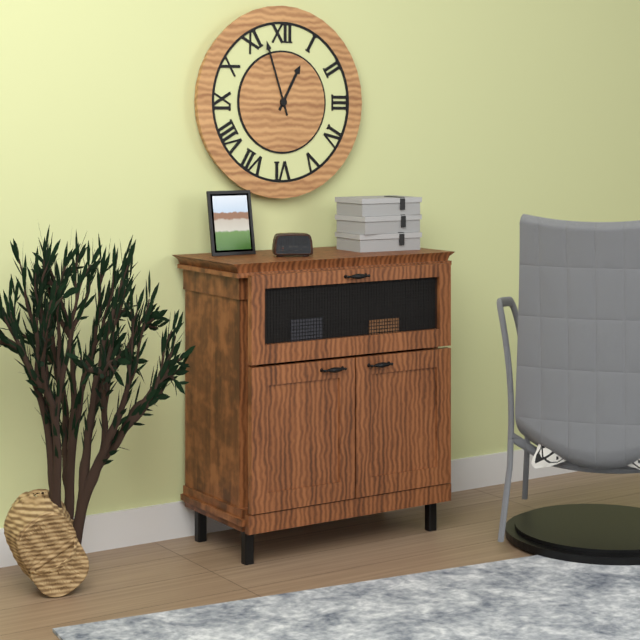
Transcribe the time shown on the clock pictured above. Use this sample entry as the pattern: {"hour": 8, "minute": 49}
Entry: {"hour": 12, "minute": 57}
